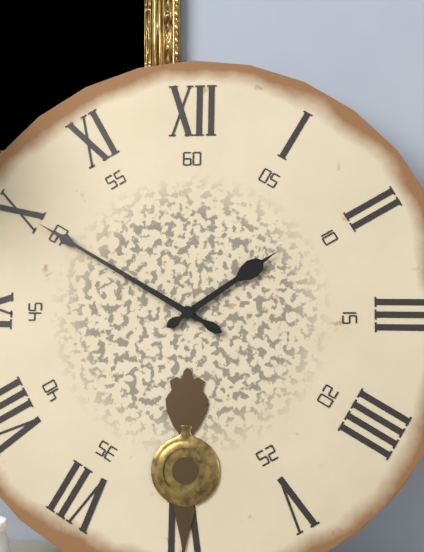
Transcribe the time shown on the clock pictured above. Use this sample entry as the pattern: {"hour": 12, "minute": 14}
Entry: {"hour": 1, "minute": 50}
